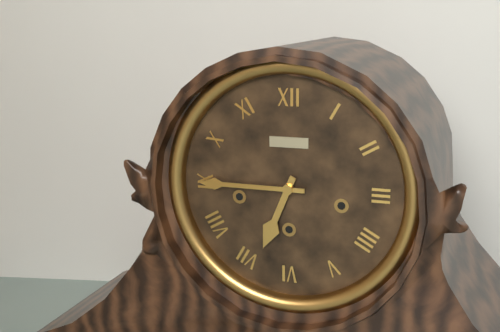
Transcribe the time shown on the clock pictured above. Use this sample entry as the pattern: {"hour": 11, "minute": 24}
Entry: {"hour": 6, "minute": 45}
